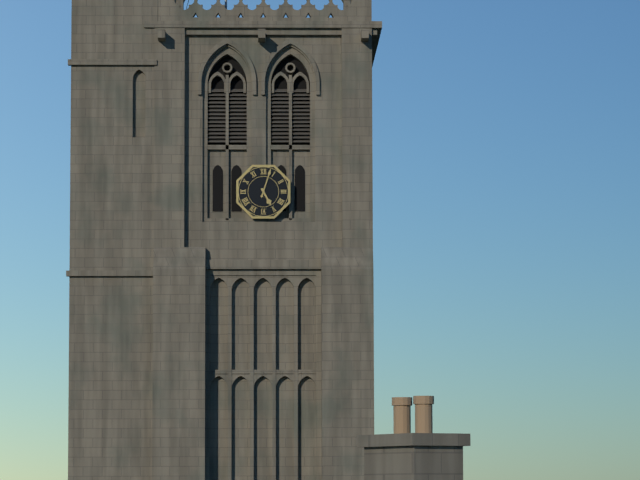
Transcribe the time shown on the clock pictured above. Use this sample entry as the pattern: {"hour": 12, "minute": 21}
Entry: {"hour": 5, "minute": 3}
